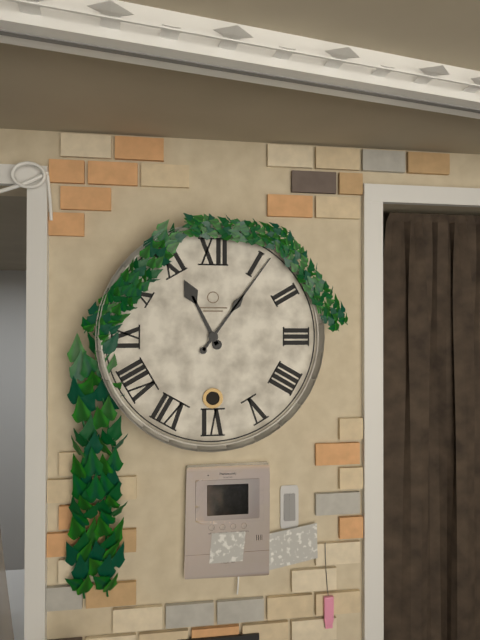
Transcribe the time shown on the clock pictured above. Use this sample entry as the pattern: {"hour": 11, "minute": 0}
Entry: {"hour": 11, "minute": 6}
